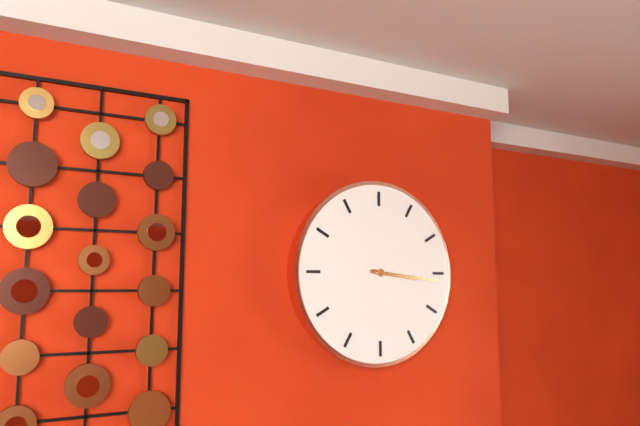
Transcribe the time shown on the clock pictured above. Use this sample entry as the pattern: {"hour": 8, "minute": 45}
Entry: {"hour": 3, "minute": 16}
